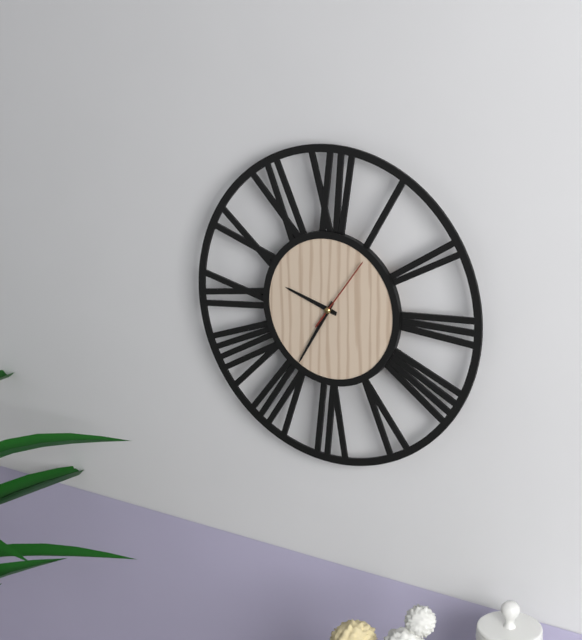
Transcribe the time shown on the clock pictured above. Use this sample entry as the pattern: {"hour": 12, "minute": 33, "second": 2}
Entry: {"hour": 9, "minute": 35, "second": 6}
